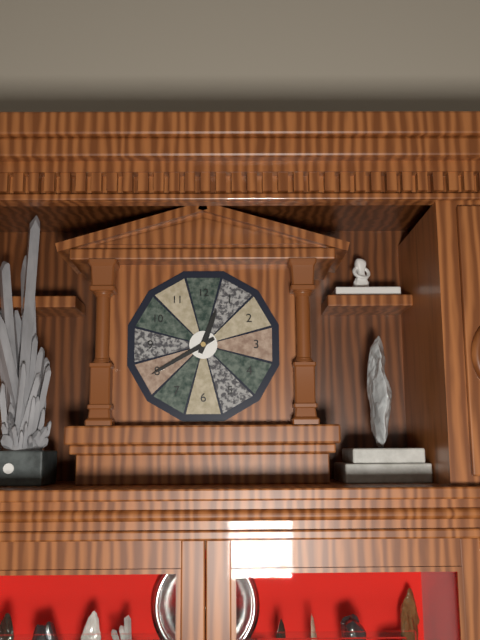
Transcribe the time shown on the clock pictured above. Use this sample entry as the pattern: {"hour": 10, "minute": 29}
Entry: {"hour": 12, "minute": 40}
